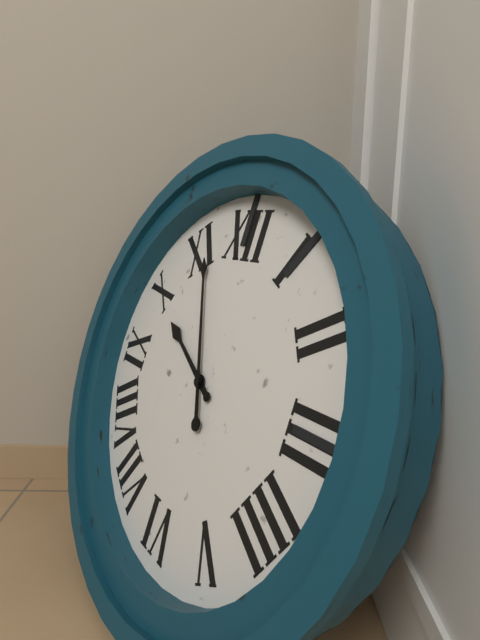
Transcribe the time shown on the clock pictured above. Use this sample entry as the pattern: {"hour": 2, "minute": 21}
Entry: {"hour": 9, "minute": 56}
